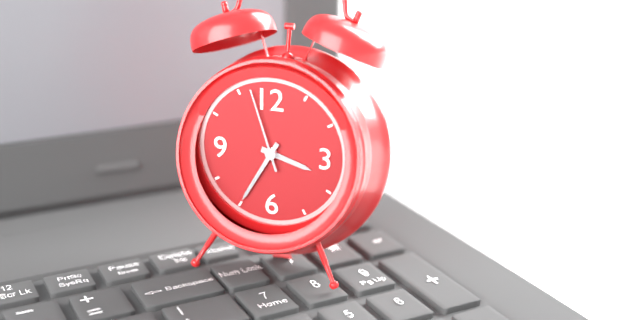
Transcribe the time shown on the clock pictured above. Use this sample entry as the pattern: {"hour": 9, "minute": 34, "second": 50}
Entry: {"hour": 3, "minute": 35, "second": 57}
